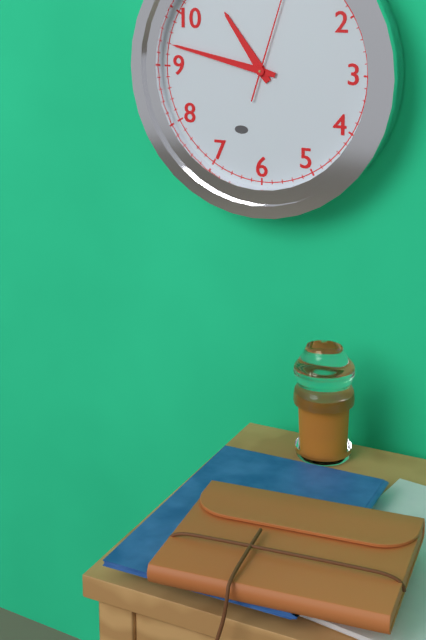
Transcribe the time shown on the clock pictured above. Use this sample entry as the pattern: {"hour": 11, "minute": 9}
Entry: {"hour": 10, "minute": 47}
